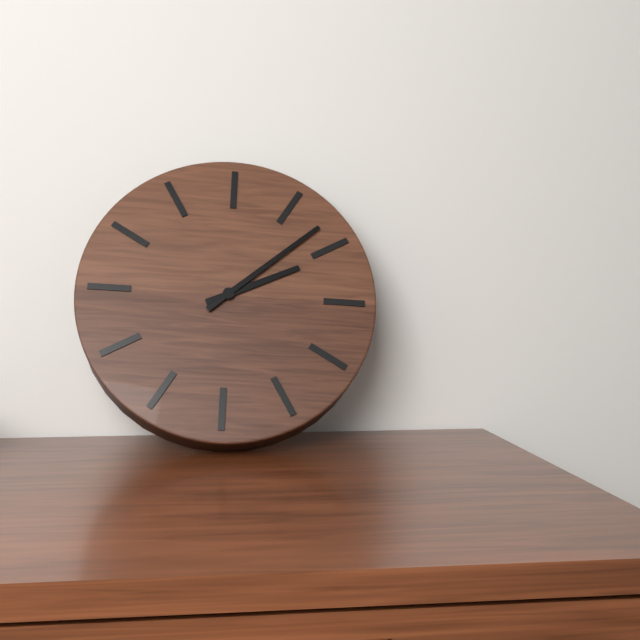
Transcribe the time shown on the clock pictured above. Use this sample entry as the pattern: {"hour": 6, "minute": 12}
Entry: {"hour": 2, "minute": 8}
